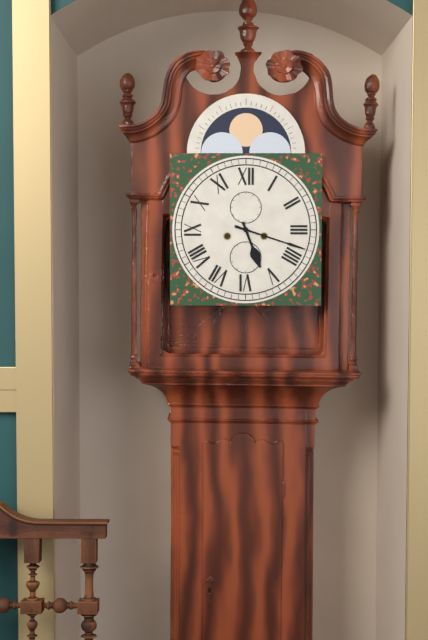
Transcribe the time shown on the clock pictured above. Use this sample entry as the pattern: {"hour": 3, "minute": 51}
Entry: {"hour": 5, "minute": 18}
